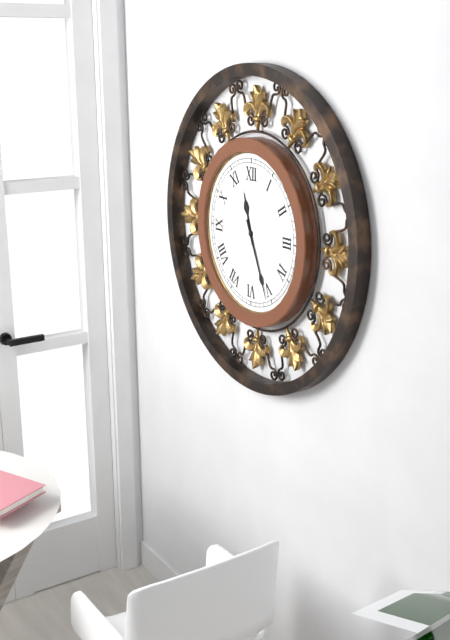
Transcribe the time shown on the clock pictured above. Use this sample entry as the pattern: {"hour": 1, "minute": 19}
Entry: {"hour": 11, "minute": 26}
